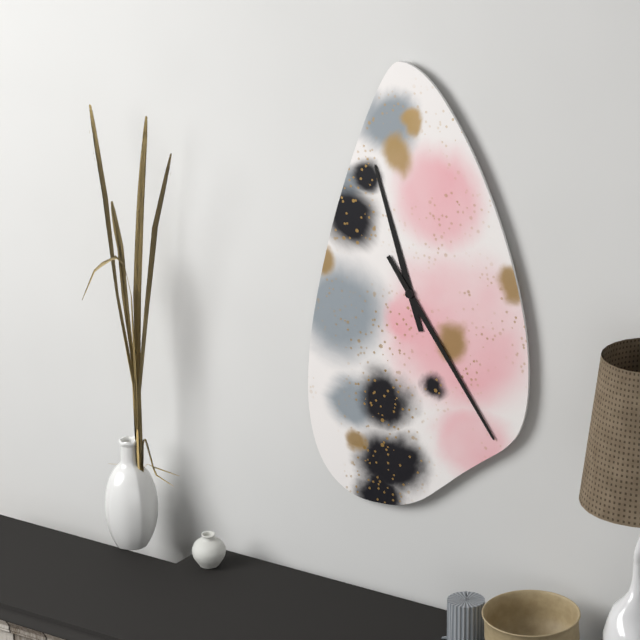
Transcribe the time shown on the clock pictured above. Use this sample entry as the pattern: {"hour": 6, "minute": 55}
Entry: {"hour": 11, "minute": 24}
